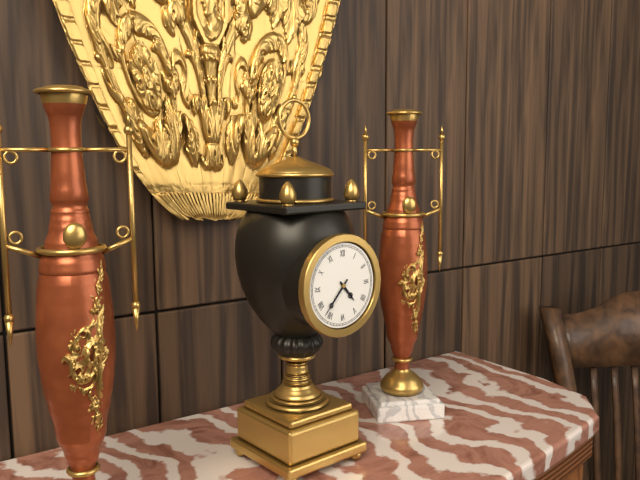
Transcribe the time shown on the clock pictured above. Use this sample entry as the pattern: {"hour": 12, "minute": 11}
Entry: {"hour": 4, "minute": 37}
